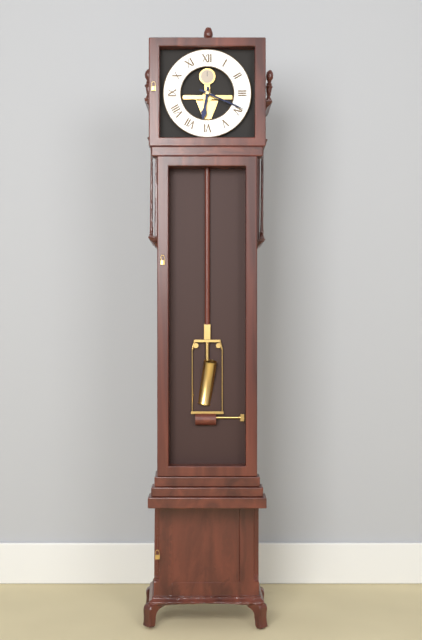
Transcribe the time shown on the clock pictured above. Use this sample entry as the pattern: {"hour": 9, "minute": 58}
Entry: {"hour": 6, "minute": 19}
